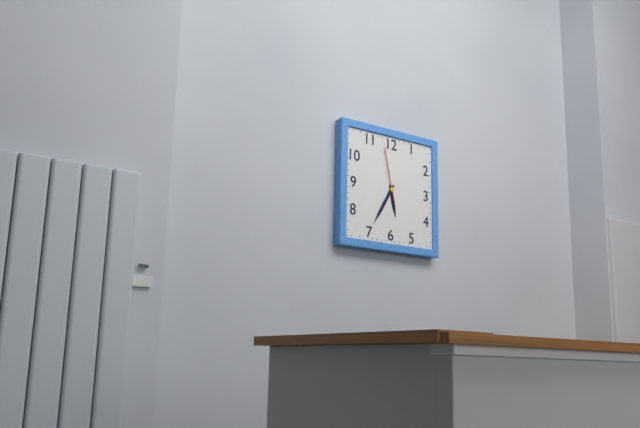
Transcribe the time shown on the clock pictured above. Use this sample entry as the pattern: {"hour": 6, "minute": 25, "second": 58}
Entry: {"hour": 5, "minute": 35, "second": 58}
